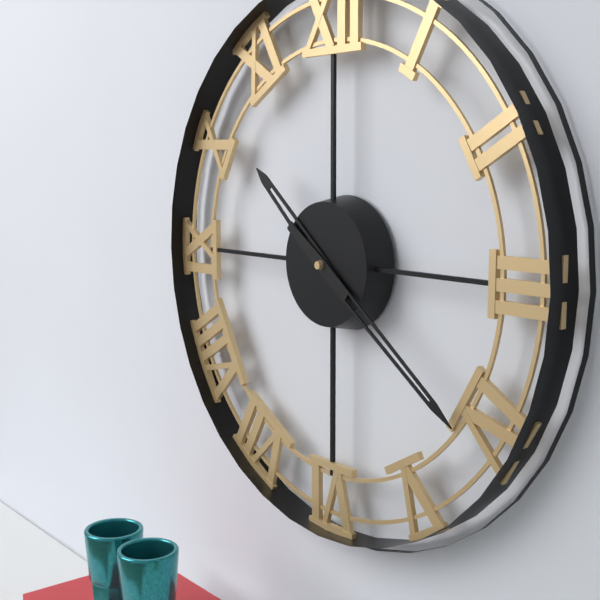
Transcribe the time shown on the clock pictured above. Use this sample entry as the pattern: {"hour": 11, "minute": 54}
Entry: {"hour": 10, "minute": 21}
